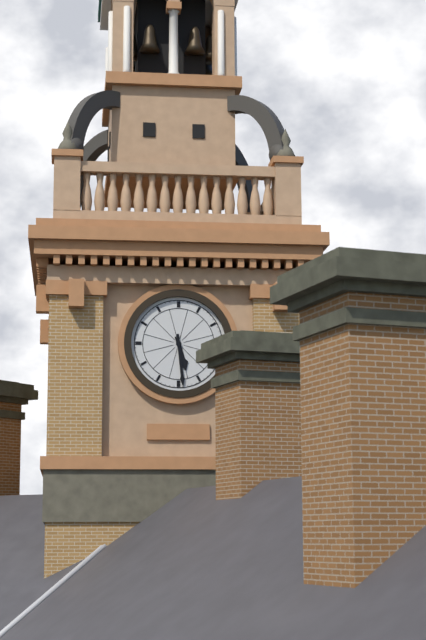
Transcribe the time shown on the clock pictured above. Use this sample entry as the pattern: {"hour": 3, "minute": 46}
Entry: {"hour": 5, "minute": 29}
